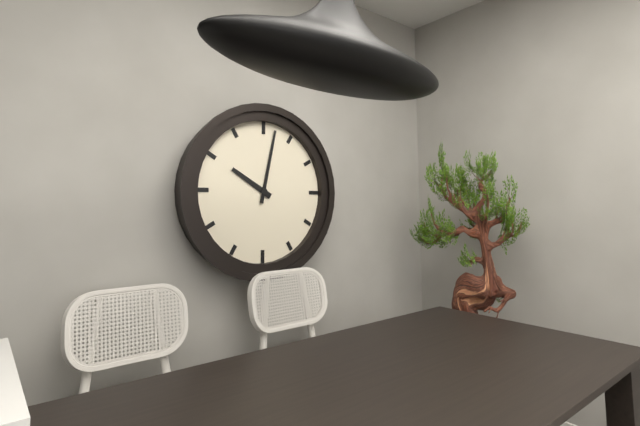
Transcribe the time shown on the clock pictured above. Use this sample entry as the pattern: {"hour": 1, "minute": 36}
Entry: {"hour": 10, "minute": 2}
